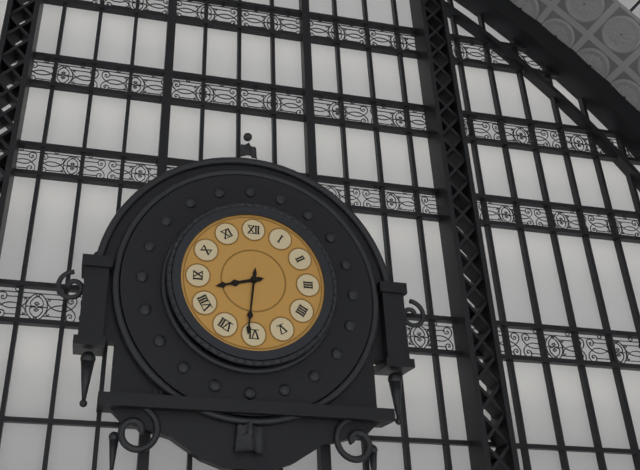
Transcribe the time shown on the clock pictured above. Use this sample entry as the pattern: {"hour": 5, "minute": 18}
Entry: {"hour": 8, "minute": 31}
